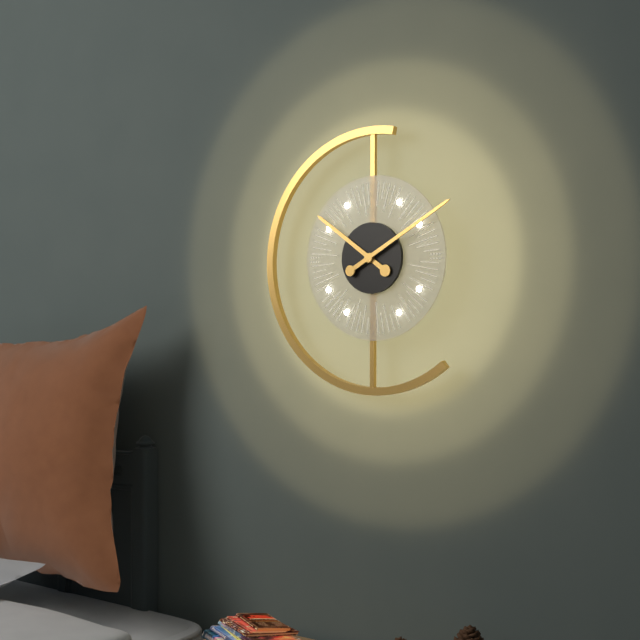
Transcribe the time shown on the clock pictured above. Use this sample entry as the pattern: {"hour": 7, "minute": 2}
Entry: {"hour": 10, "minute": 10}
